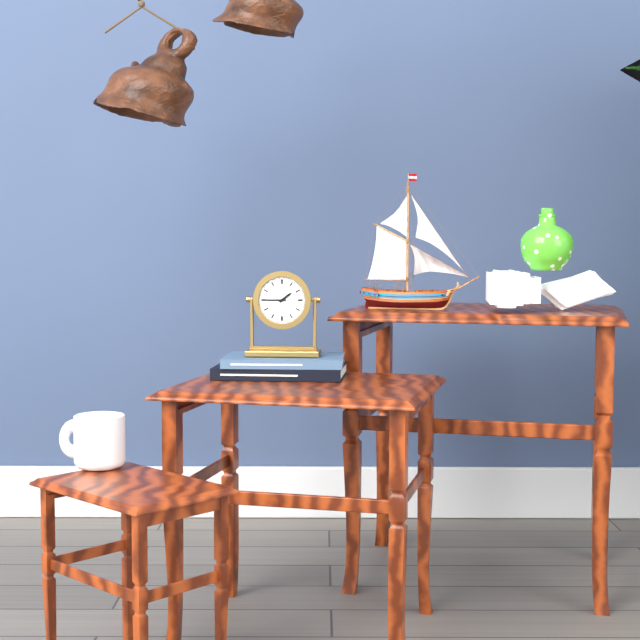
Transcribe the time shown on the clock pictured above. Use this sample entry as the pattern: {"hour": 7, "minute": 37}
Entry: {"hour": 1, "minute": 45}
